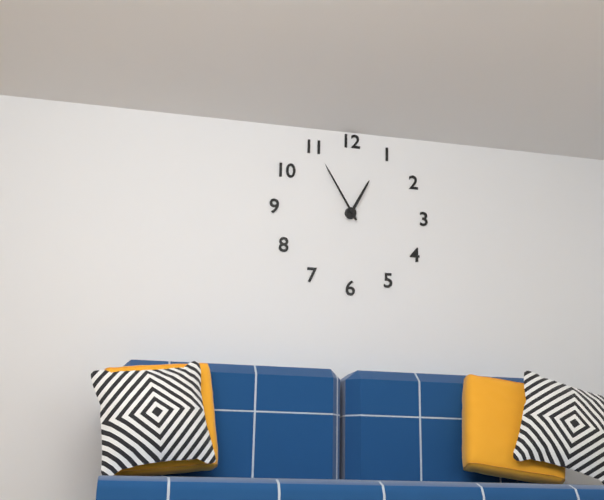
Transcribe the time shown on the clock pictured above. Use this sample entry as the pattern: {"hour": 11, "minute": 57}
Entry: {"hour": 12, "minute": 55}
